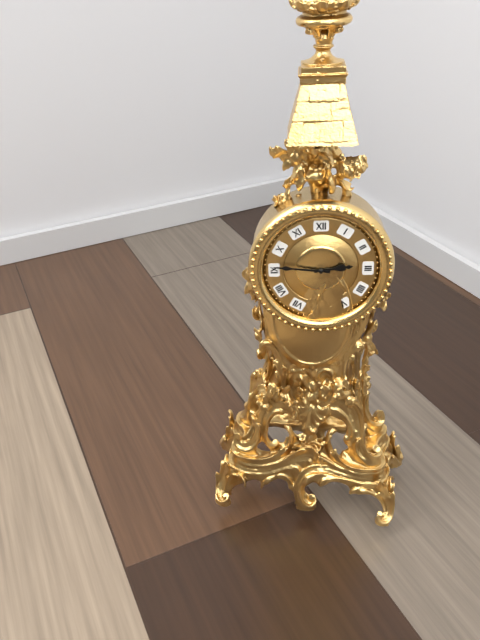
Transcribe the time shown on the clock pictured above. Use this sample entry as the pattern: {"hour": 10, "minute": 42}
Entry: {"hour": 2, "minute": 46}
